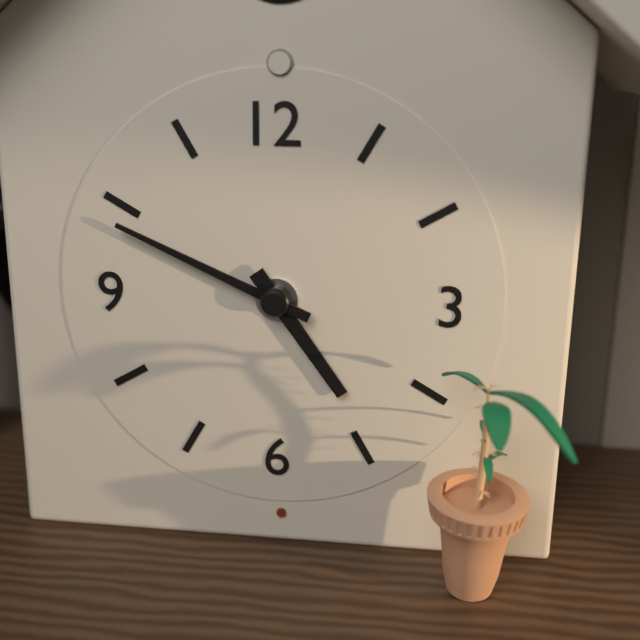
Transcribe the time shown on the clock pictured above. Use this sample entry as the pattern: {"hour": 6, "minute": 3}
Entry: {"hour": 4, "minute": 49}
